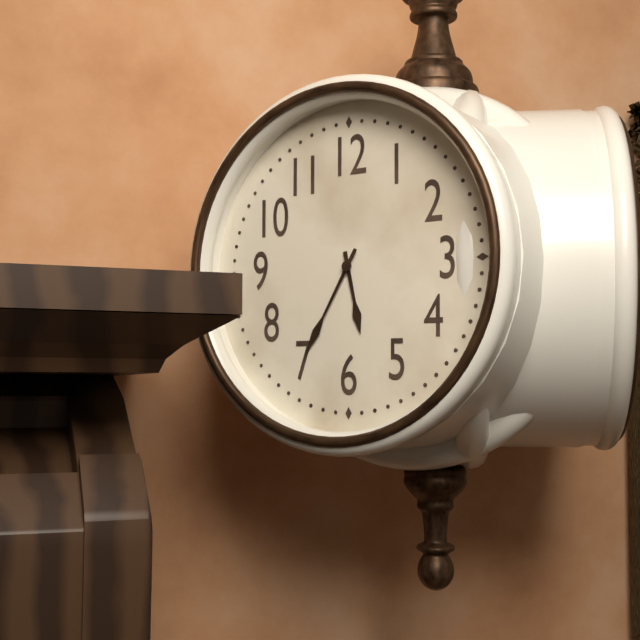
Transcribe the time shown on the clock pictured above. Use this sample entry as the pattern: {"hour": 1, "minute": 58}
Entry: {"hour": 5, "minute": 35}
